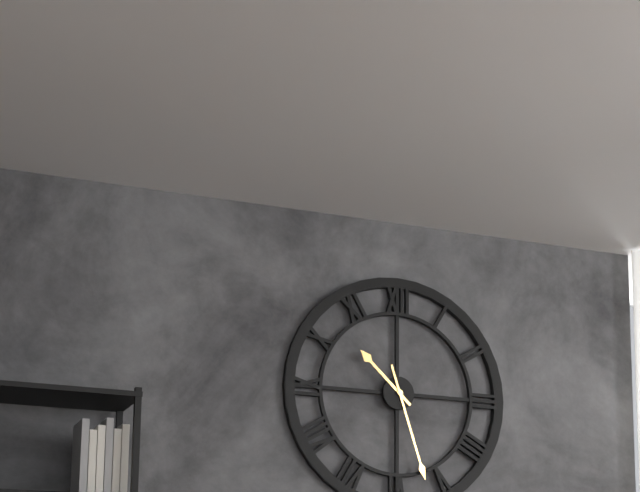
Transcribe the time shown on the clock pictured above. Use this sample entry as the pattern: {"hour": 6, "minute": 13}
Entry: {"hour": 10, "minute": 27}
